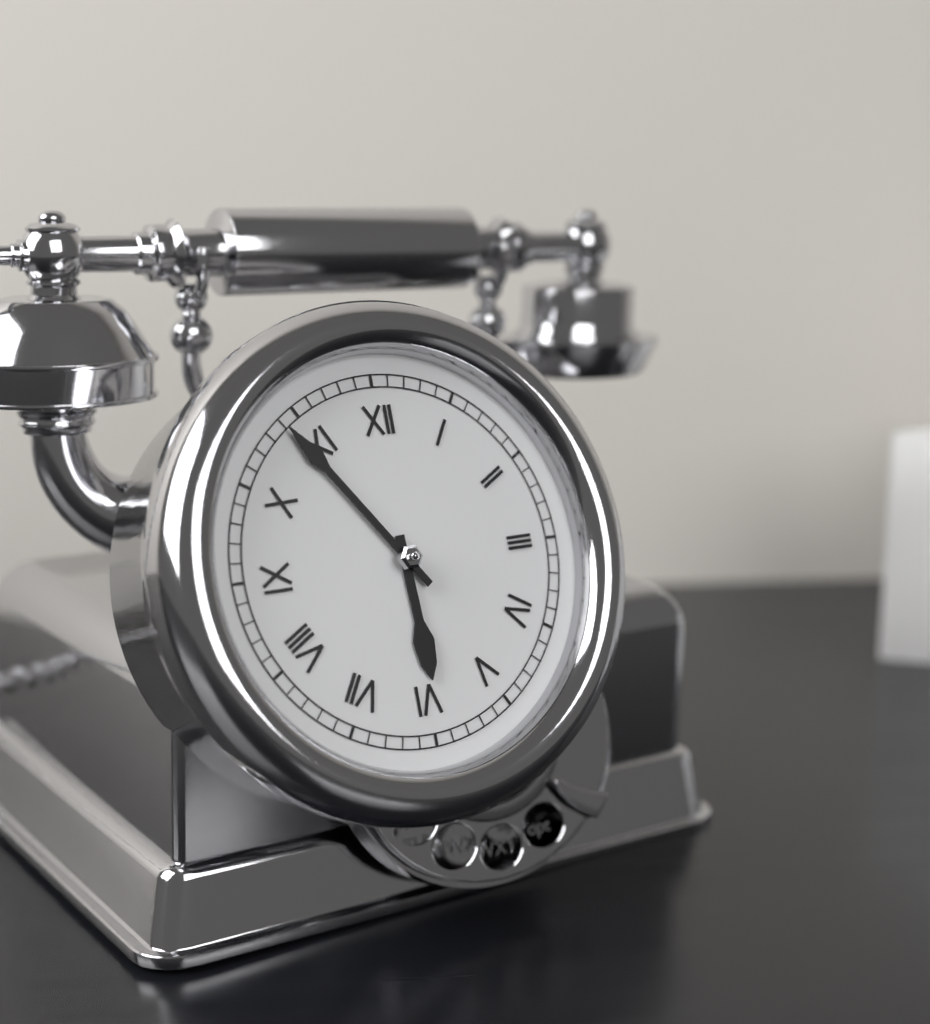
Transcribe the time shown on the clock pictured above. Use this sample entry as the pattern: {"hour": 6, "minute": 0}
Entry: {"hour": 5, "minute": 54}
